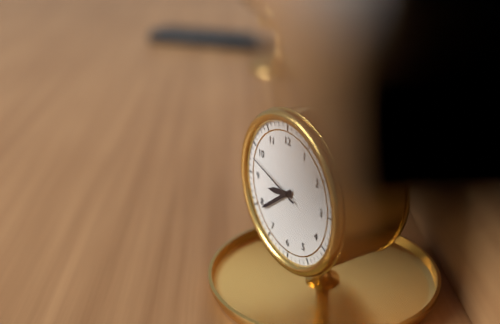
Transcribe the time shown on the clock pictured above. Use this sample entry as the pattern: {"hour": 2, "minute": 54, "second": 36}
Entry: {"hour": 8, "minute": 39, "second": 48}
